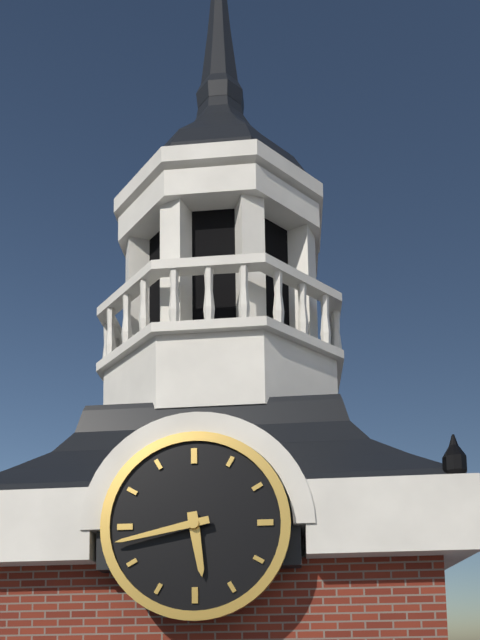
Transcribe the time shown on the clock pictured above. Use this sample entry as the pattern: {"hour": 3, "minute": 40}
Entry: {"hour": 5, "minute": 43}
